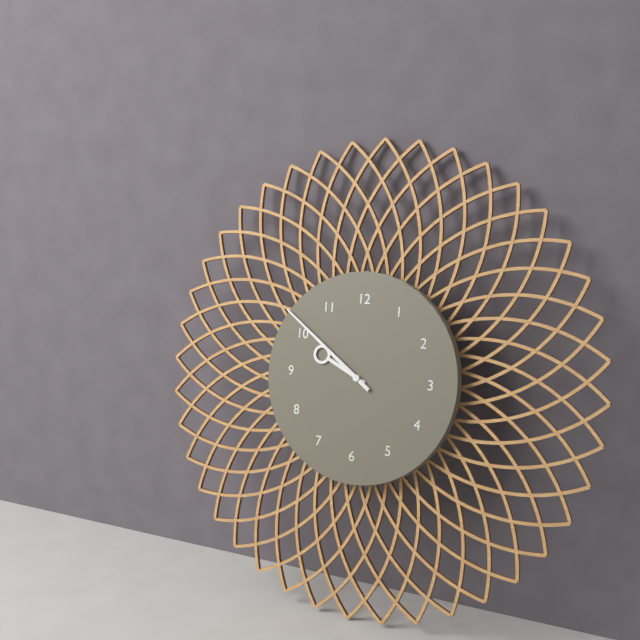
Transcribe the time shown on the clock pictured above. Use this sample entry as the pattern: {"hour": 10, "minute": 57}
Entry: {"hour": 9, "minute": 51}
